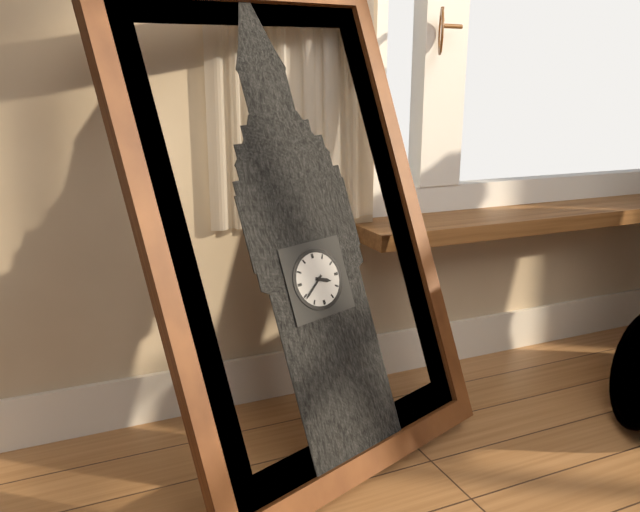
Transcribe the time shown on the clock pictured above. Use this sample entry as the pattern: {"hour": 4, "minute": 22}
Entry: {"hour": 3, "minute": 39}
